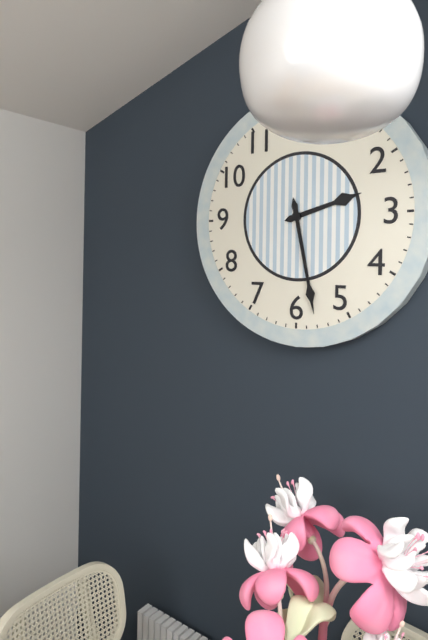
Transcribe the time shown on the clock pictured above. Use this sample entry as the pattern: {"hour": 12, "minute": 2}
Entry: {"hour": 2, "minute": 28}
